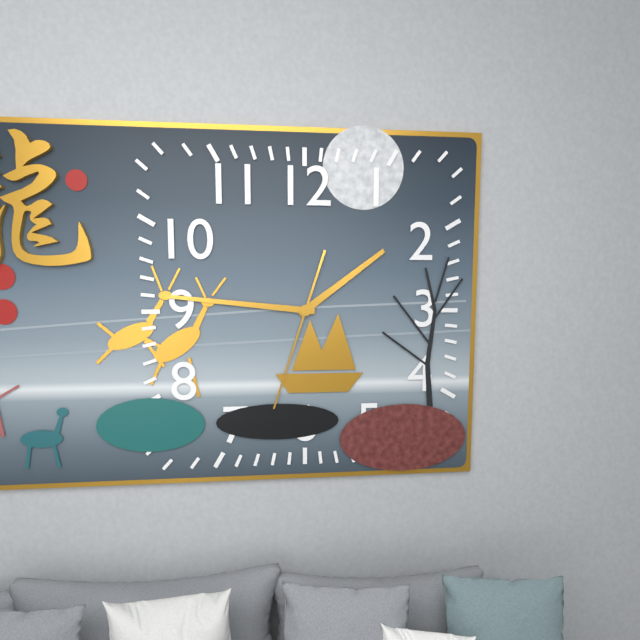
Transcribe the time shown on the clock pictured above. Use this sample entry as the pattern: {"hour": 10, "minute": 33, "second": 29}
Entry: {"hour": 1, "minute": 46, "second": 33}
